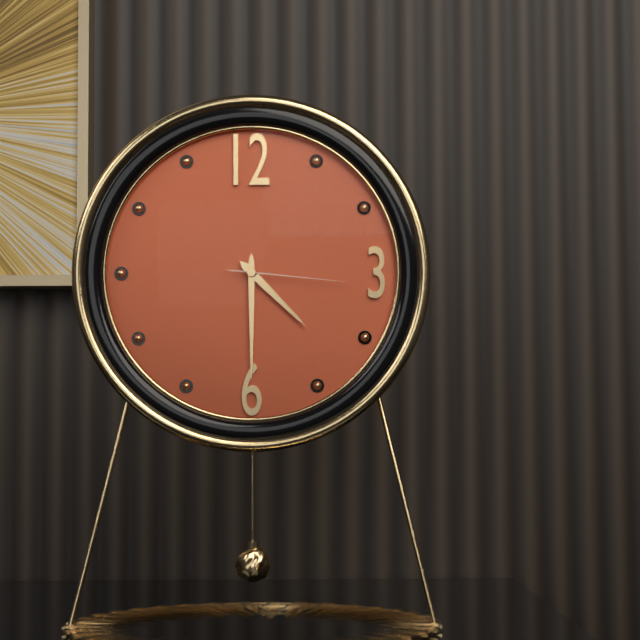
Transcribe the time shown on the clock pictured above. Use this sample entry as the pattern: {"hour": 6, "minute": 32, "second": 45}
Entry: {"hour": 4, "minute": 30, "second": 16}
